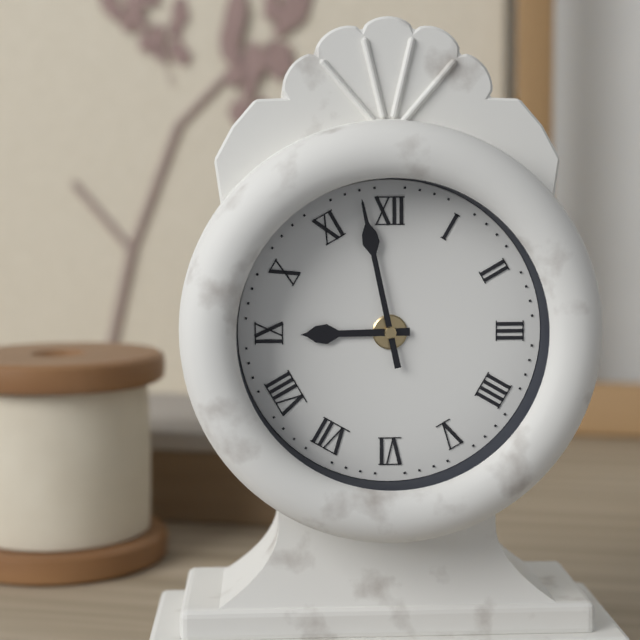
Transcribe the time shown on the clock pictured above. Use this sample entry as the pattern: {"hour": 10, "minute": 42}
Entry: {"hour": 8, "minute": 58}
